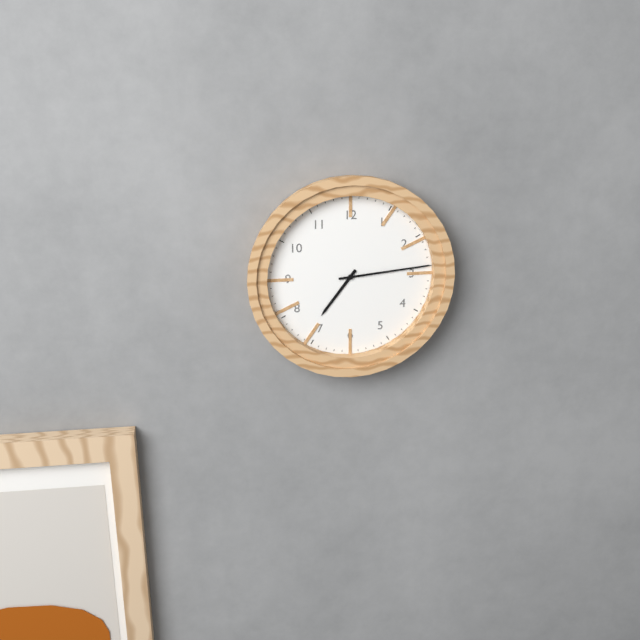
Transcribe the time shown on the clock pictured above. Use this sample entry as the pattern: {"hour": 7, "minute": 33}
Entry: {"hour": 7, "minute": 14}
